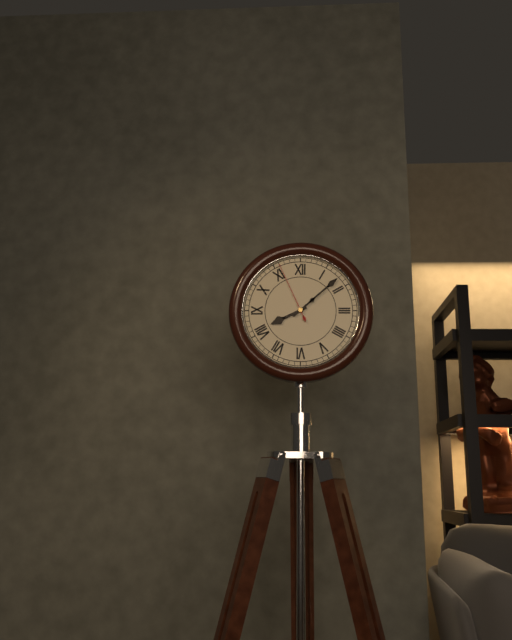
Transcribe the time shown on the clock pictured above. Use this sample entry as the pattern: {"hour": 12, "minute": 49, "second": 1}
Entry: {"hour": 8, "minute": 8, "second": 56}
